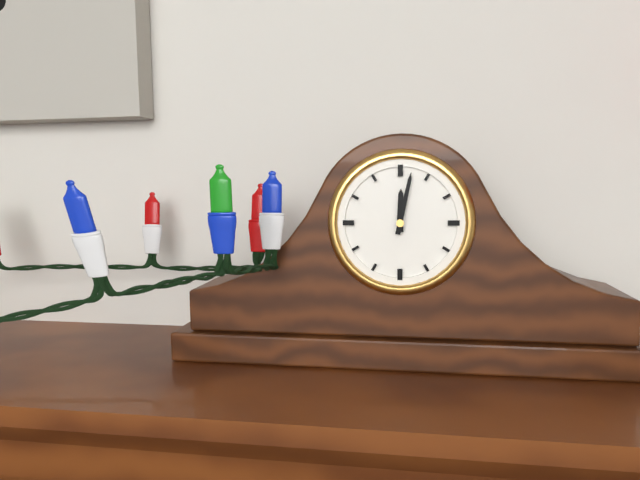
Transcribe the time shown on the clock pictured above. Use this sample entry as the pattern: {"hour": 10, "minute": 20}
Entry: {"hour": 12, "minute": 2}
